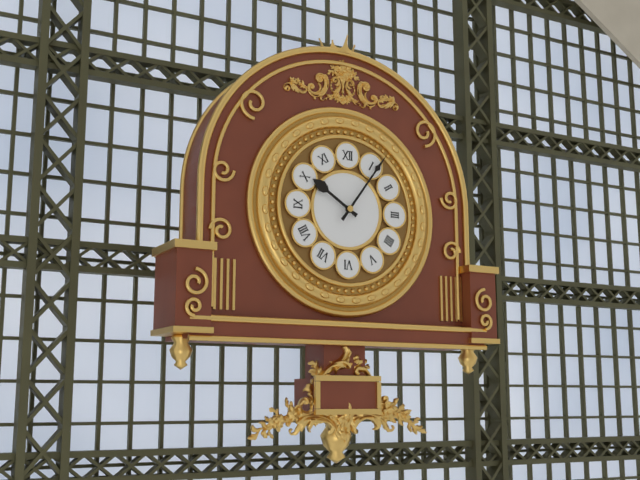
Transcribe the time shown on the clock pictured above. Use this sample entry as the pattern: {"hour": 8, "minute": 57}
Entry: {"hour": 10, "minute": 6}
